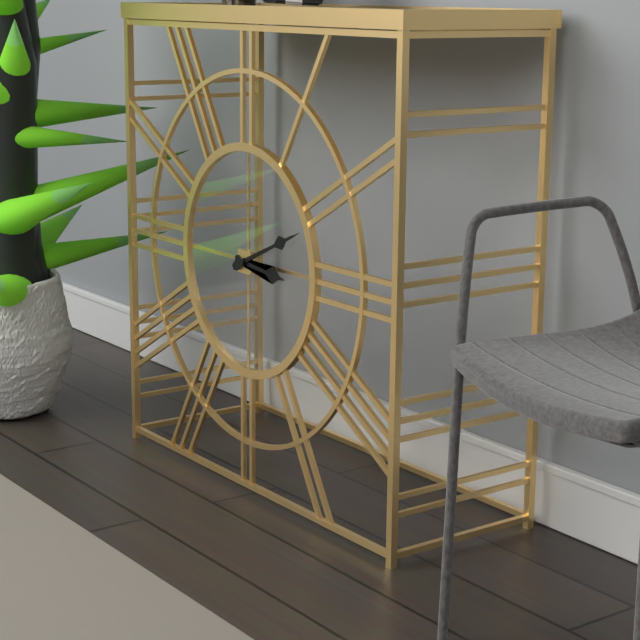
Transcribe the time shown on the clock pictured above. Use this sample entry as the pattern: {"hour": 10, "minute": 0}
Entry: {"hour": 3, "minute": 11}
